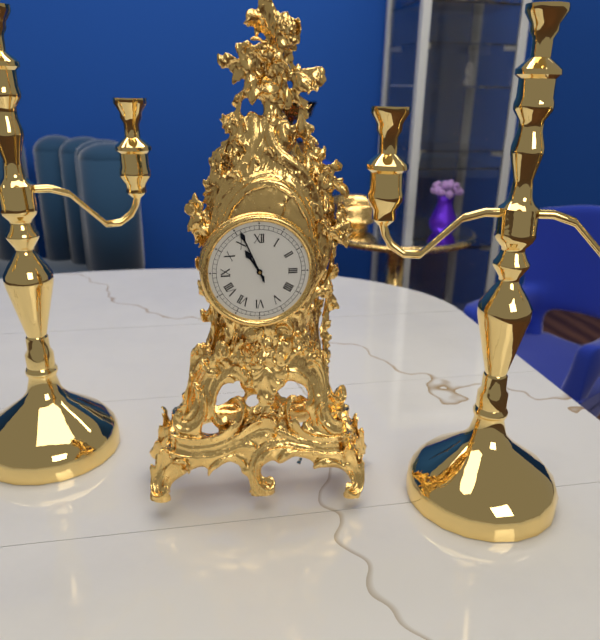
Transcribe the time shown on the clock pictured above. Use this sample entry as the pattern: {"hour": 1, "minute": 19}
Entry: {"hour": 10, "minute": 56}
